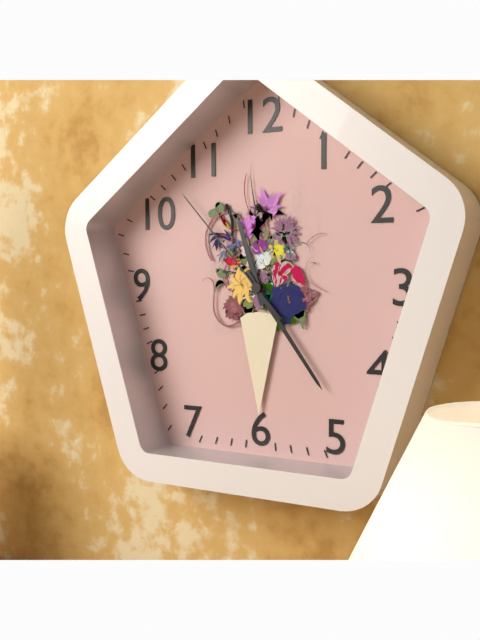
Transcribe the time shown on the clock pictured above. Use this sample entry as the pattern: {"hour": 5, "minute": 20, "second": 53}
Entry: {"hour": 11, "minute": 24, "second": 53}
